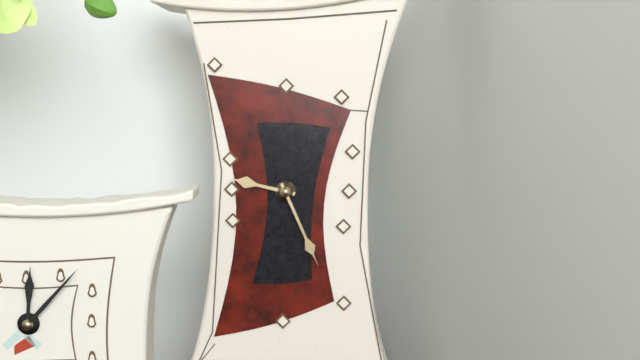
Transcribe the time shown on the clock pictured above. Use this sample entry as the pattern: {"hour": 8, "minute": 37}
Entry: {"hour": 9, "minute": 26}
